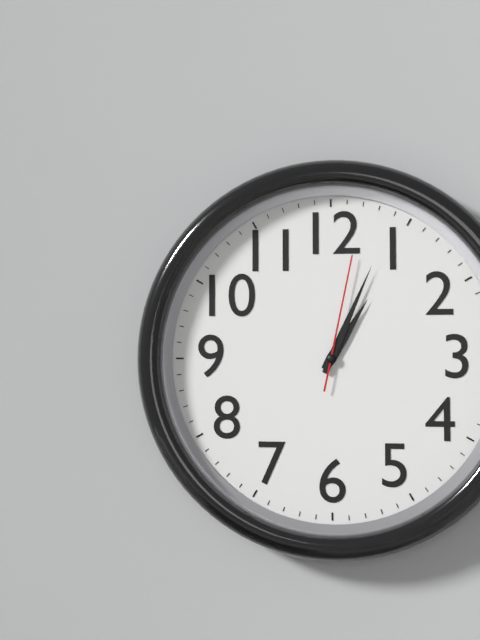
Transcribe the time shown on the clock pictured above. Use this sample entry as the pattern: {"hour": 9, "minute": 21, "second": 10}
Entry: {"hour": 1, "minute": 4, "second": 2}
